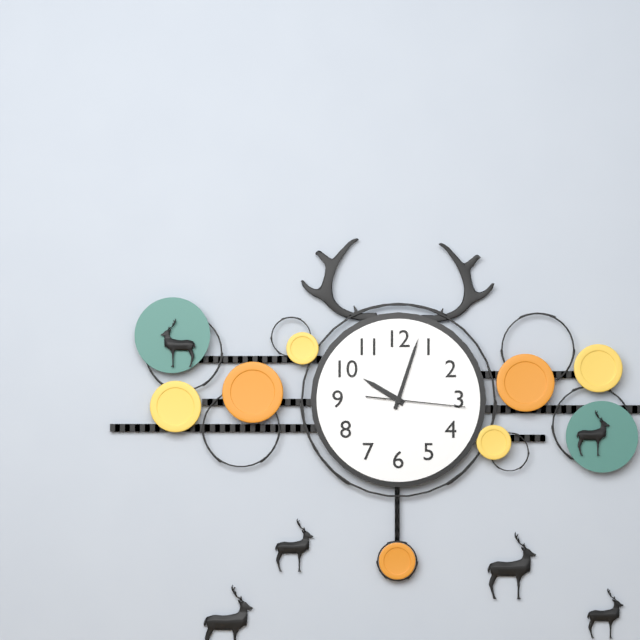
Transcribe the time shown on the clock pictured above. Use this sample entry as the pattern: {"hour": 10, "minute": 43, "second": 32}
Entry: {"hour": 10, "minute": 3, "second": 16}
